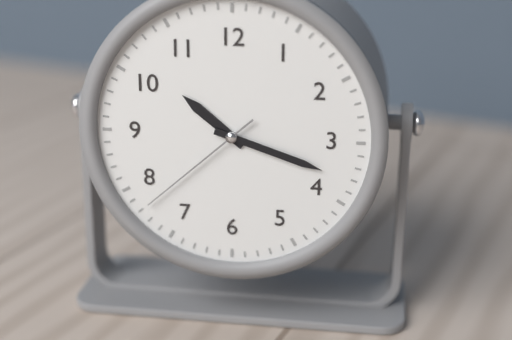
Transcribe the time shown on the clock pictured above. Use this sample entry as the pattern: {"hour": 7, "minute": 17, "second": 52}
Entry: {"hour": 10, "minute": 18, "second": 38}
